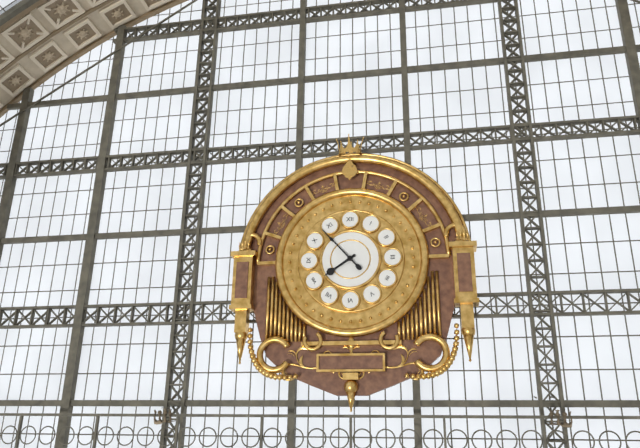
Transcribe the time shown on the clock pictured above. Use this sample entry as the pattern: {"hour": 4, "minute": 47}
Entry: {"hour": 7, "minute": 53}
